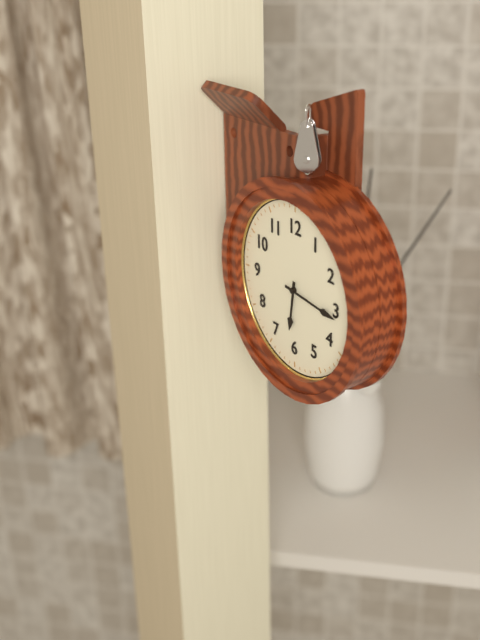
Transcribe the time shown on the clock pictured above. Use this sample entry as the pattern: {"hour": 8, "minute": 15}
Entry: {"hour": 6, "minute": 16}
